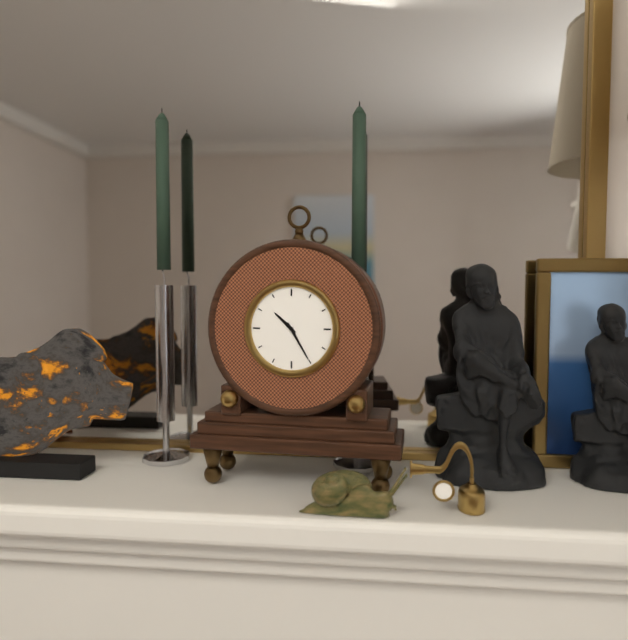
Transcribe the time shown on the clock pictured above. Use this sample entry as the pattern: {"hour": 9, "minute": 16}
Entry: {"hour": 10, "minute": 25}
